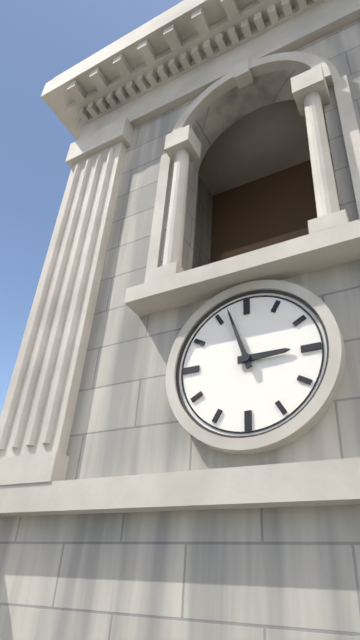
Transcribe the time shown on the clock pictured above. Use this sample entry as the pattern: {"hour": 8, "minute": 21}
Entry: {"hour": 2, "minute": 57}
